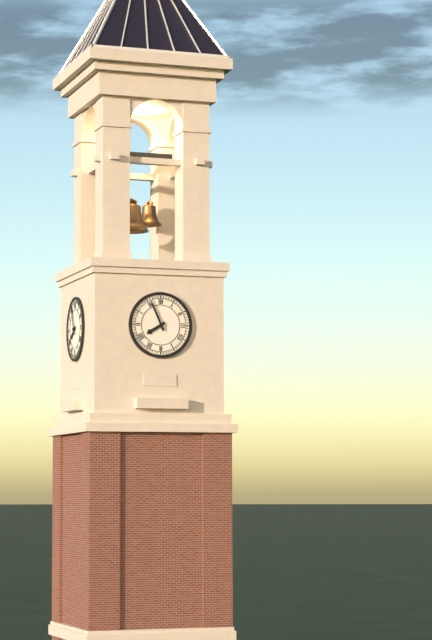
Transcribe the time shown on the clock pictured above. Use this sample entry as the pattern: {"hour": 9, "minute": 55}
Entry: {"hour": 7, "minute": 56}
